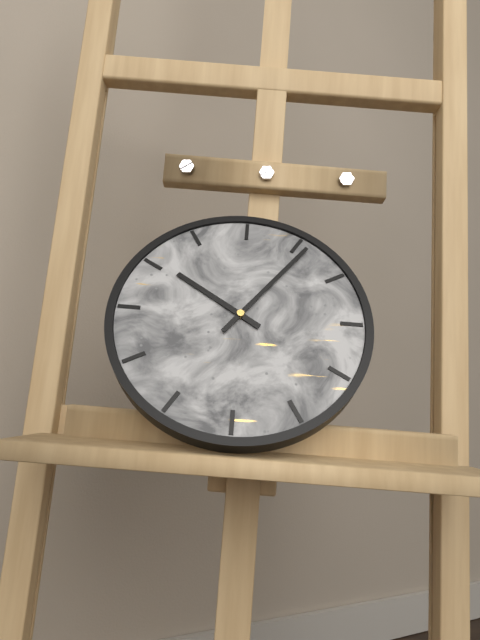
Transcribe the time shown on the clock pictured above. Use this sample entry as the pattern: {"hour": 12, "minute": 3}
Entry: {"hour": 10, "minute": 6}
